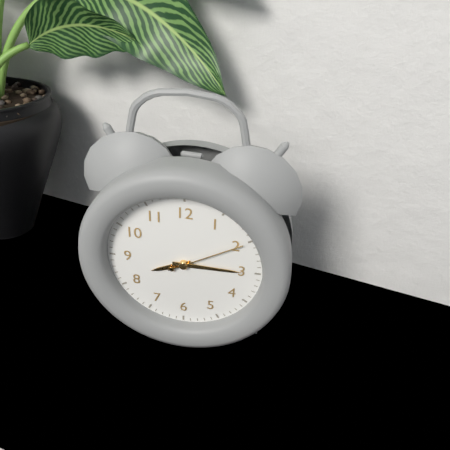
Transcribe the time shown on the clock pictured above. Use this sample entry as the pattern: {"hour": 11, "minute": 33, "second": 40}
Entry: {"hour": 8, "minute": 15, "second": 10}
